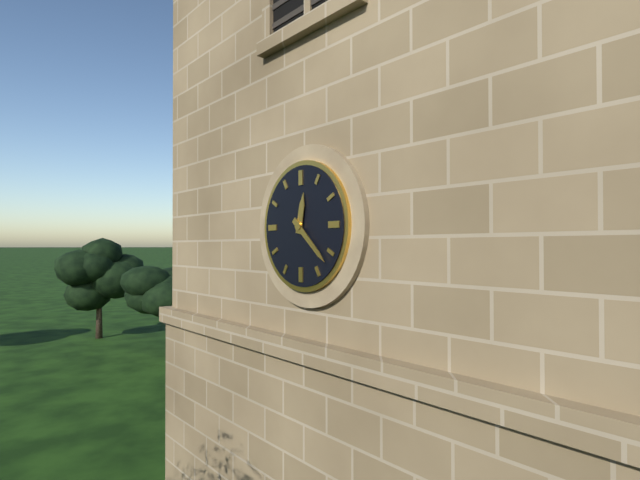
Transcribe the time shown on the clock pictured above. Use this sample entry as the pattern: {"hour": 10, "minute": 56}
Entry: {"hour": 12, "minute": 22}
